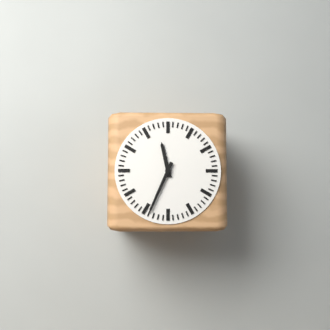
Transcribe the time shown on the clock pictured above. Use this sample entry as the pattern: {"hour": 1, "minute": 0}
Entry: {"hour": 11, "minute": 34}
